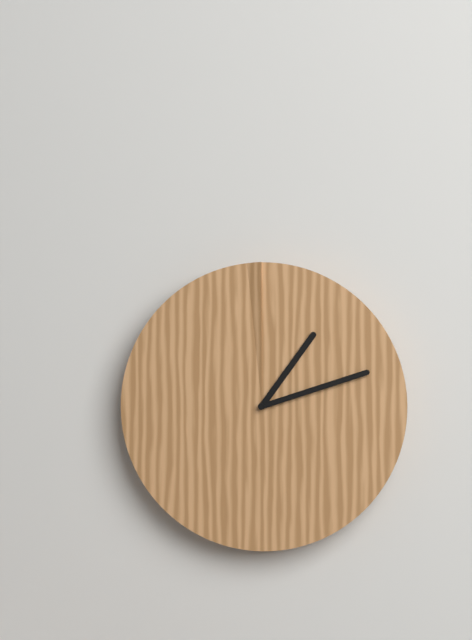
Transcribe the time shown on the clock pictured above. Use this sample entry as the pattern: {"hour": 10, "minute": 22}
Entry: {"hour": 1, "minute": 12}
